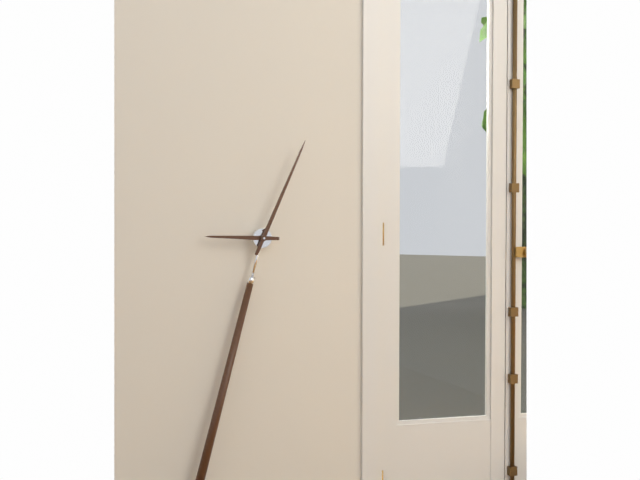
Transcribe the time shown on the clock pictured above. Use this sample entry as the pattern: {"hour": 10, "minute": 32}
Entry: {"hour": 9, "minute": 4}
